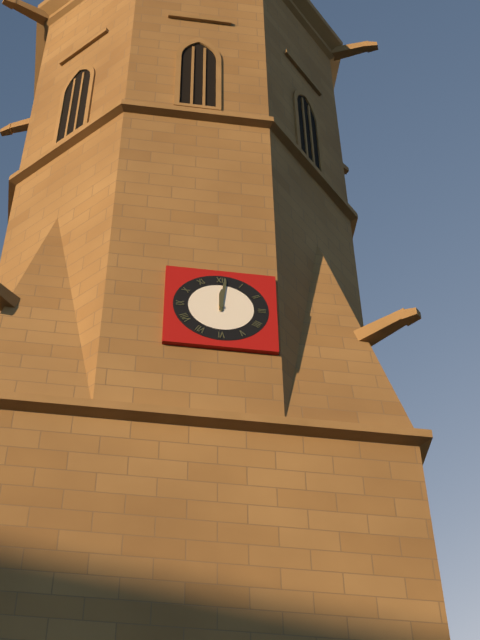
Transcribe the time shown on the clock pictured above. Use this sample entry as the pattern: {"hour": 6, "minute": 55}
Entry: {"hour": 12, "minute": 1}
